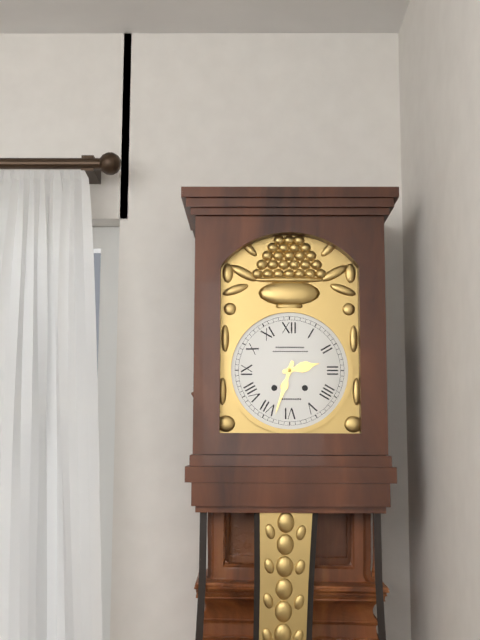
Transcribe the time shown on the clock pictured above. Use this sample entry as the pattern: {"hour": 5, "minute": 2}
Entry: {"hour": 2, "minute": 33}
